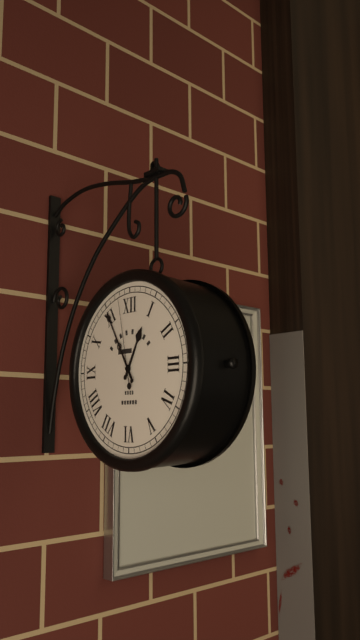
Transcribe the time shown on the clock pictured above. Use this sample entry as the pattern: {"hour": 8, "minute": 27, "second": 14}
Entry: {"hour": 12, "minute": 55, "second": 58}
